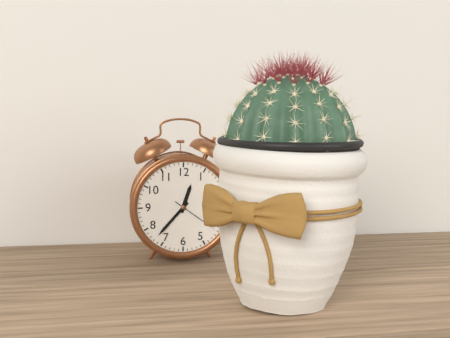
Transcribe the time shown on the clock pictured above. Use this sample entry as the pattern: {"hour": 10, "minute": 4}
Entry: {"hour": 12, "minute": 37}
